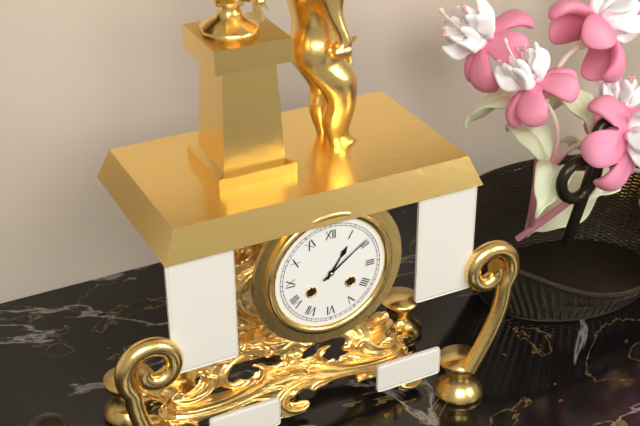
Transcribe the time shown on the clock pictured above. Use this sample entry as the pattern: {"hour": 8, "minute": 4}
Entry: {"hour": 1, "minute": 9}
